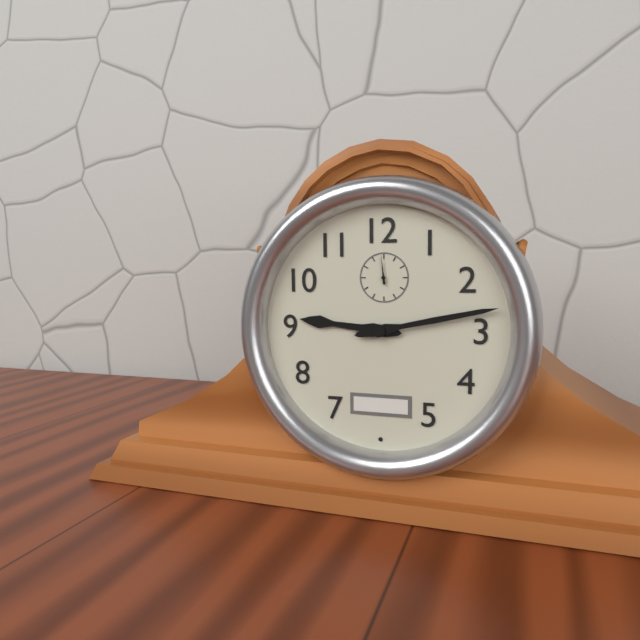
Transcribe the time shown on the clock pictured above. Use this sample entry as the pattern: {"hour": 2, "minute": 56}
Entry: {"hour": 9, "minute": 13}
